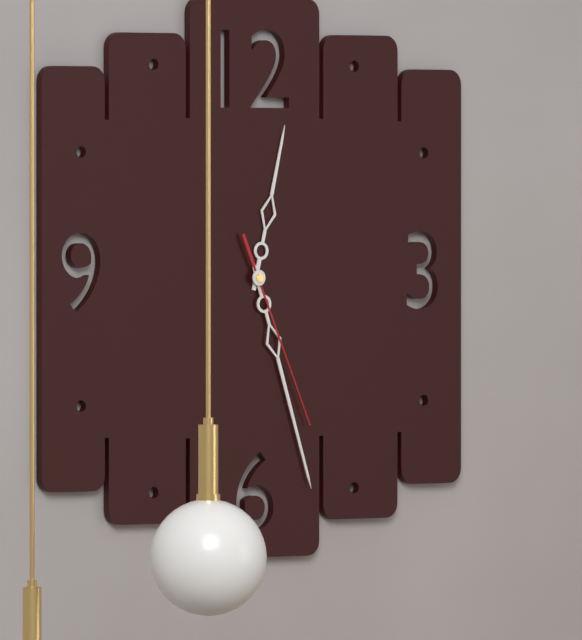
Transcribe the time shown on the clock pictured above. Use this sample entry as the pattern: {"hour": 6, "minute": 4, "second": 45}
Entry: {"hour": 12, "minute": 27, "second": 26}
